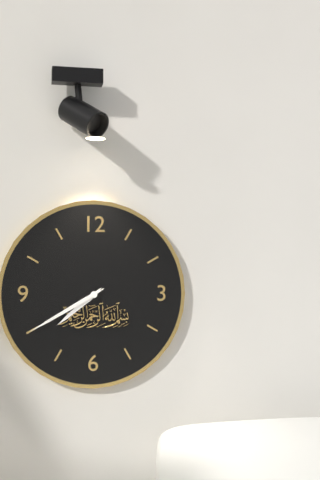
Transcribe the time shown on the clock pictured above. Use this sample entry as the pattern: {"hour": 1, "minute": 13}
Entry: {"hour": 7, "minute": 40}
